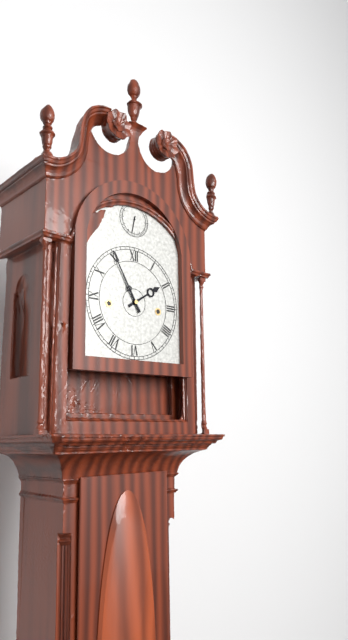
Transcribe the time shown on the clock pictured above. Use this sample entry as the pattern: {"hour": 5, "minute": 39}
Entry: {"hour": 1, "minute": 55}
